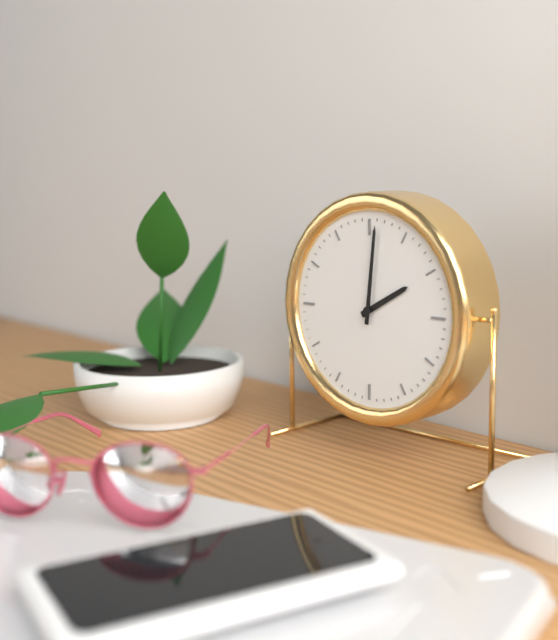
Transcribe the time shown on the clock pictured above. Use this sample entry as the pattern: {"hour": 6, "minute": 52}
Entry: {"hour": 2, "minute": 1}
